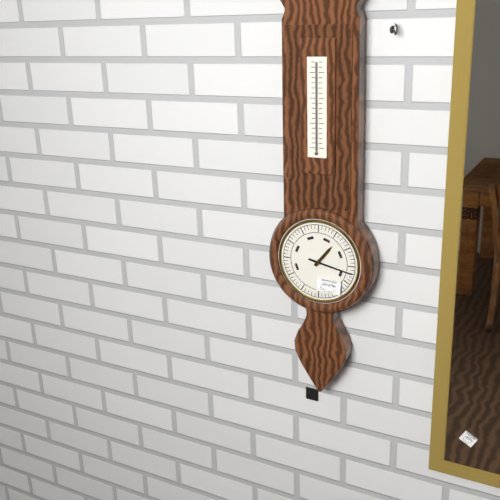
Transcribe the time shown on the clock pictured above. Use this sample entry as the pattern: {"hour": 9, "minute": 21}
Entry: {"hour": 1, "minute": 17}
